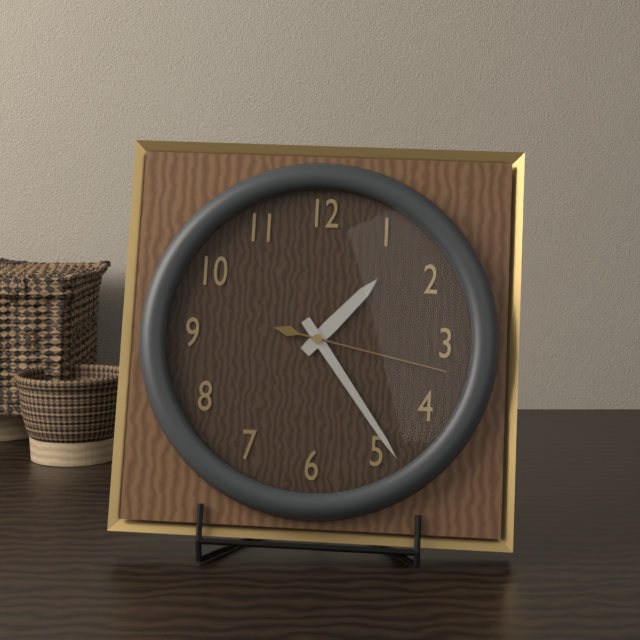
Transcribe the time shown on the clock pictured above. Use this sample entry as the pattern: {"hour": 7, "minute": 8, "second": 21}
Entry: {"hour": 1, "minute": 24, "second": 17}
